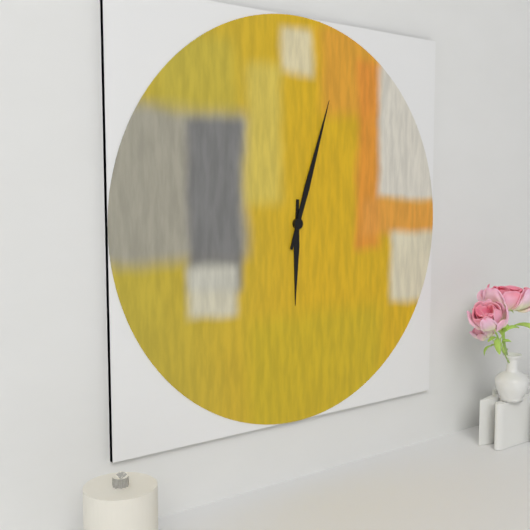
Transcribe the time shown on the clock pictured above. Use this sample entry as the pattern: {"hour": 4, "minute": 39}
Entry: {"hour": 6, "minute": 3}
